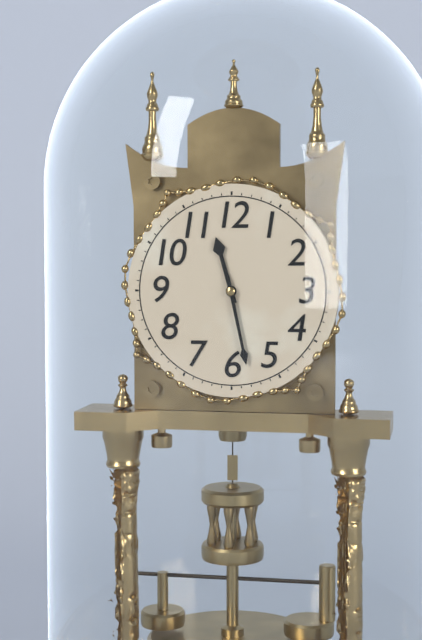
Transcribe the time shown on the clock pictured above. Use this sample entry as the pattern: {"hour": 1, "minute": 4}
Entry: {"hour": 11, "minute": 28}
